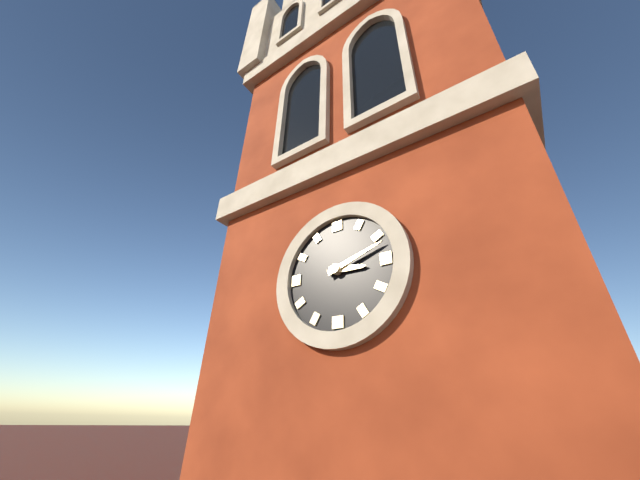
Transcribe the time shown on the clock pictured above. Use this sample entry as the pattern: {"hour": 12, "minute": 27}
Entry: {"hour": 3, "minute": 12}
